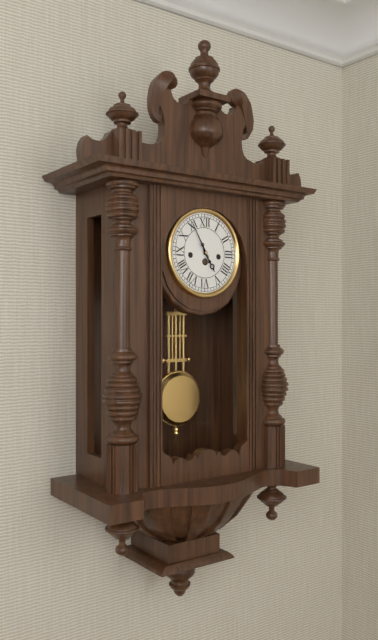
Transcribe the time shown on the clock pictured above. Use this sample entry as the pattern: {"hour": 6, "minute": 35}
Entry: {"hour": 4, "minute": 55}
